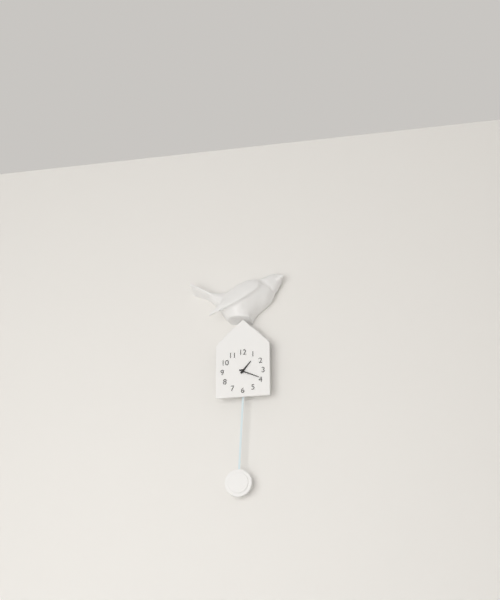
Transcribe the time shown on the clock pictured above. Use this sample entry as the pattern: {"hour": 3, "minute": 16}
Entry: {"hour": 1, "minute": 19}
